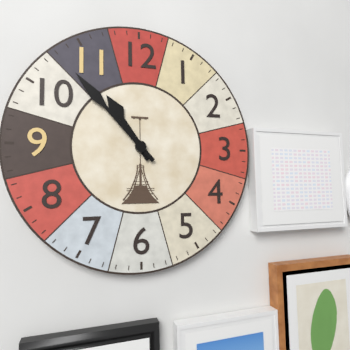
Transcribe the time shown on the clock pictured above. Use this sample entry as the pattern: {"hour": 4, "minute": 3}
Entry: {"hour": 10, "minute": 53}
